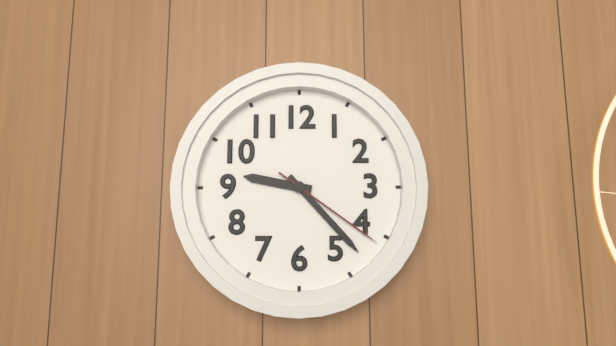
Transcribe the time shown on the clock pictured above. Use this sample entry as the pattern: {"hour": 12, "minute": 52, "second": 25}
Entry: {"hour": 9, "minute": 23, "second": 21}
